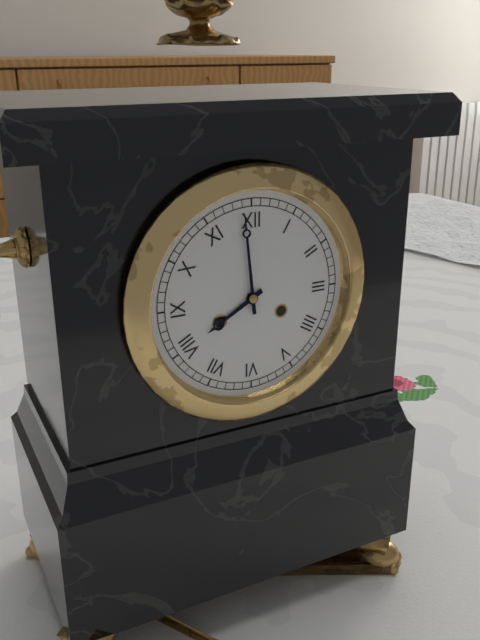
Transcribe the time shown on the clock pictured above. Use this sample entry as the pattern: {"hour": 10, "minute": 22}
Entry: {"hour": 7, "minute": 59}
